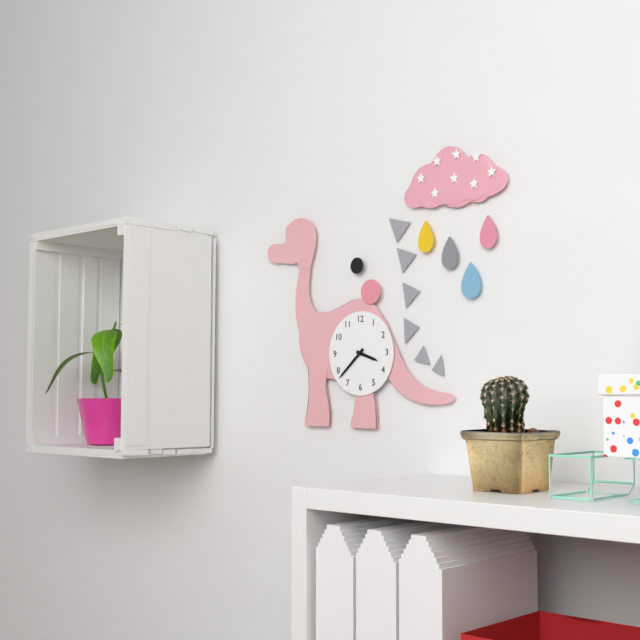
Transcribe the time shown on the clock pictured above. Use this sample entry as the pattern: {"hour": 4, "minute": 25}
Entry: {"hour": 3, "minute": 38}
